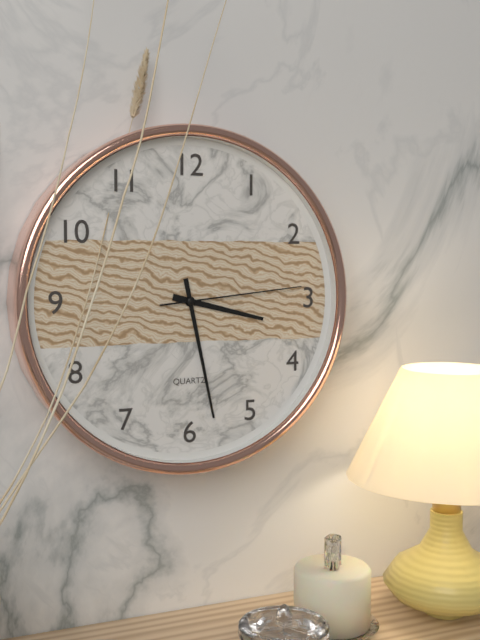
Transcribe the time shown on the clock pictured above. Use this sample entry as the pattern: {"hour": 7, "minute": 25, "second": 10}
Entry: {"hour": 3, "minute": 28, "second": 14}
